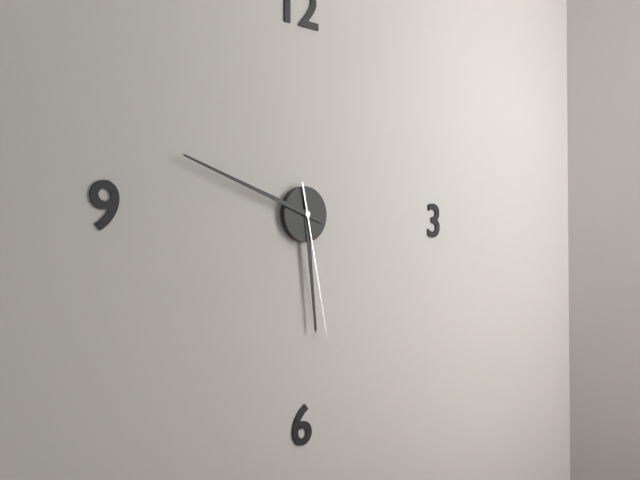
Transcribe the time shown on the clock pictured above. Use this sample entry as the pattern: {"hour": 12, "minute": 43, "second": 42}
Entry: {"hour": 5, "minute": 48, "second": 28}
